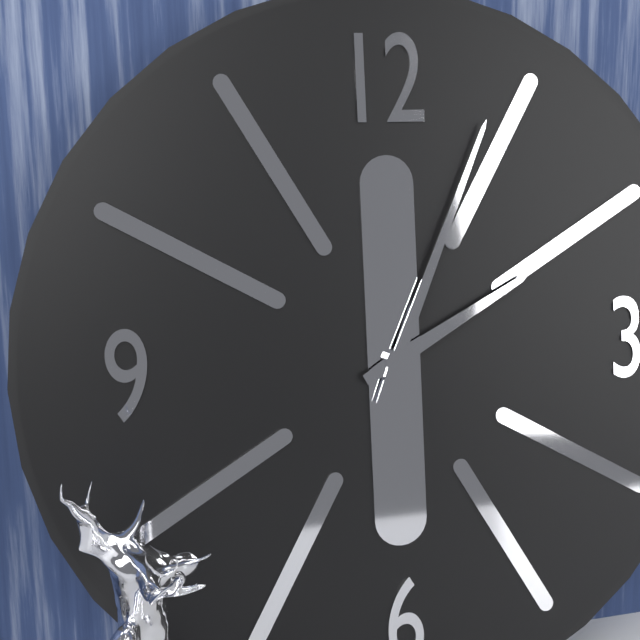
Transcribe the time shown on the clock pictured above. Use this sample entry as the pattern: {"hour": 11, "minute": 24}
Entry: {"hour": 2, "minute": 4}
